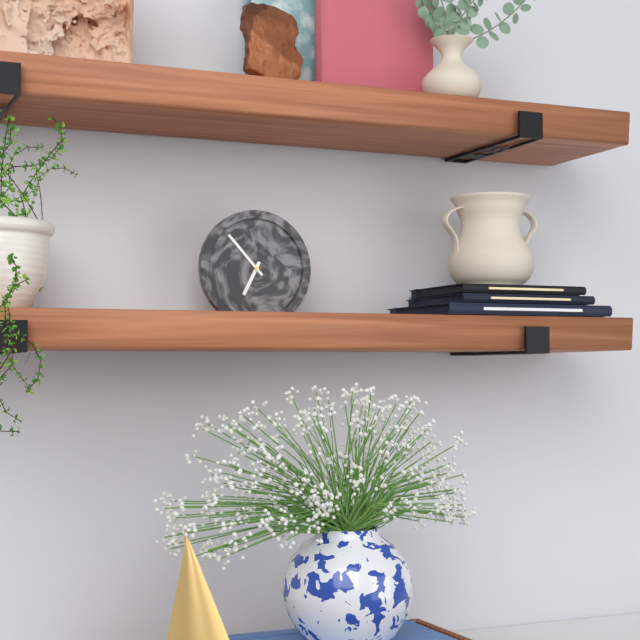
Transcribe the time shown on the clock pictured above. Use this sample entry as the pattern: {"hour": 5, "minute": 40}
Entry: {"hour": 6, "minute": 53}
